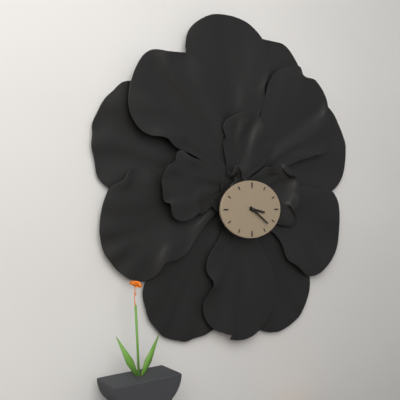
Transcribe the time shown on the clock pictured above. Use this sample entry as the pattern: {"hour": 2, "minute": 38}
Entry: {"hour": 3, "minute": 21}
